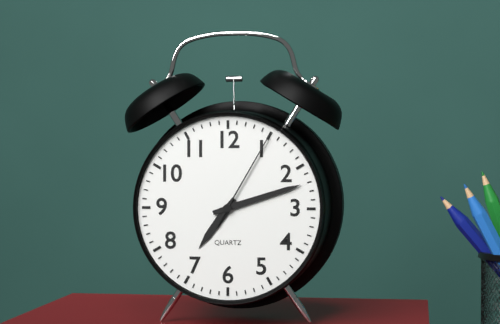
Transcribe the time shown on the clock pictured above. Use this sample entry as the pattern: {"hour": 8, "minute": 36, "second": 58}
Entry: {"hour": 7, "minute": 12, "second": 5}
